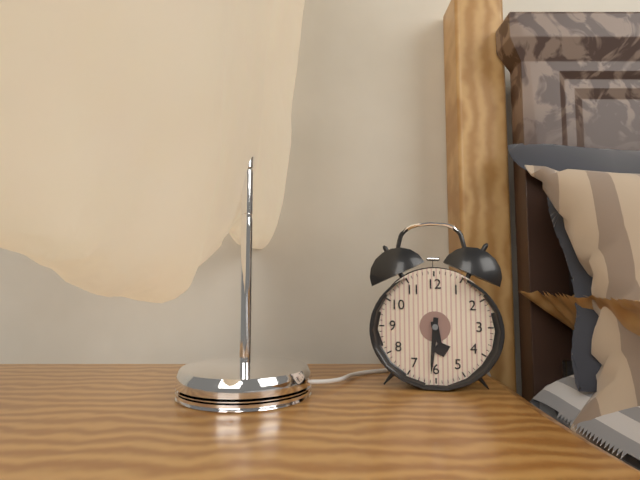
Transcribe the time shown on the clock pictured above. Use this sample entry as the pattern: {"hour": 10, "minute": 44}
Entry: {"hour": 5, "minute": 31}
